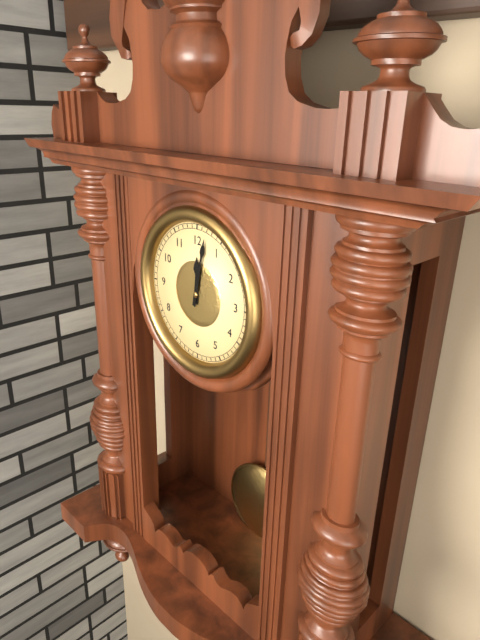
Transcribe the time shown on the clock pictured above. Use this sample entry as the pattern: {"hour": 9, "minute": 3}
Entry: {"hour": 12, "minute": 2}
